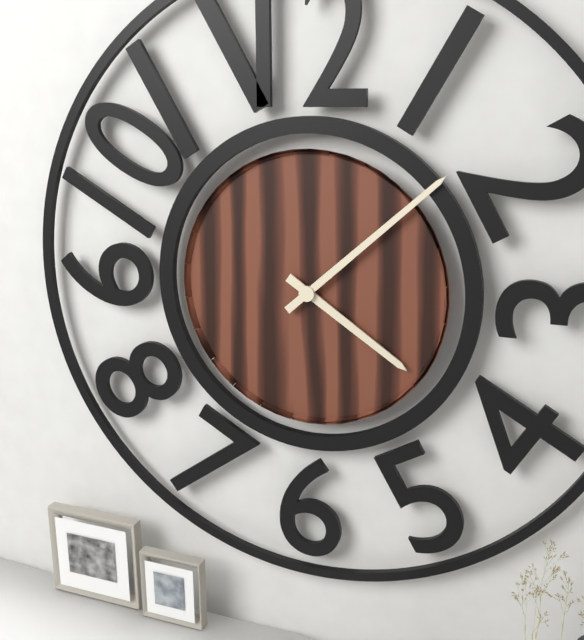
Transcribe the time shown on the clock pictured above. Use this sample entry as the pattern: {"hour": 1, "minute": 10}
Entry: {"hour": 4, "minute": 8}
